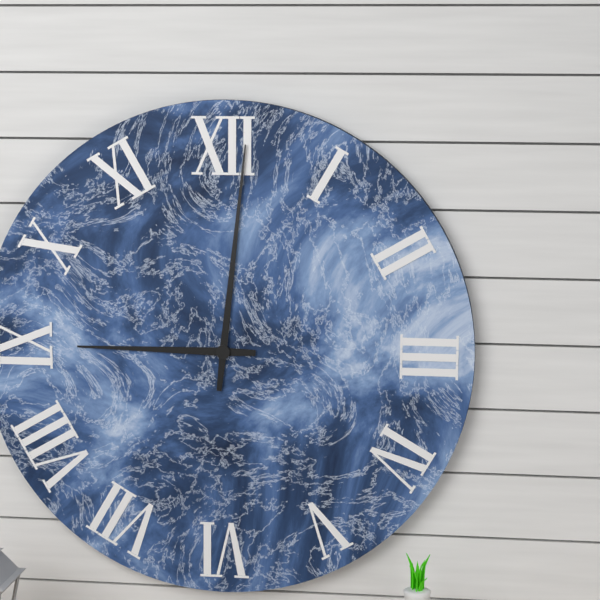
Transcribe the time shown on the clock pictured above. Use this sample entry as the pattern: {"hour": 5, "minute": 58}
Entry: {"hour": 9, "minute": 1}
